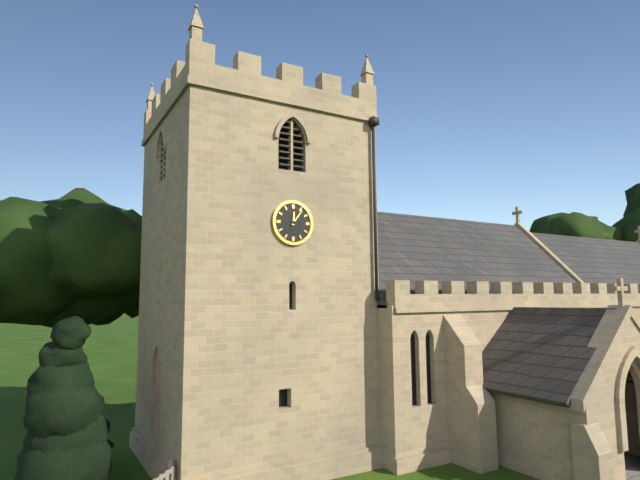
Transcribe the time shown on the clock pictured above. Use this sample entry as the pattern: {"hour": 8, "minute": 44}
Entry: {"hour": 12, "minute": 6}
